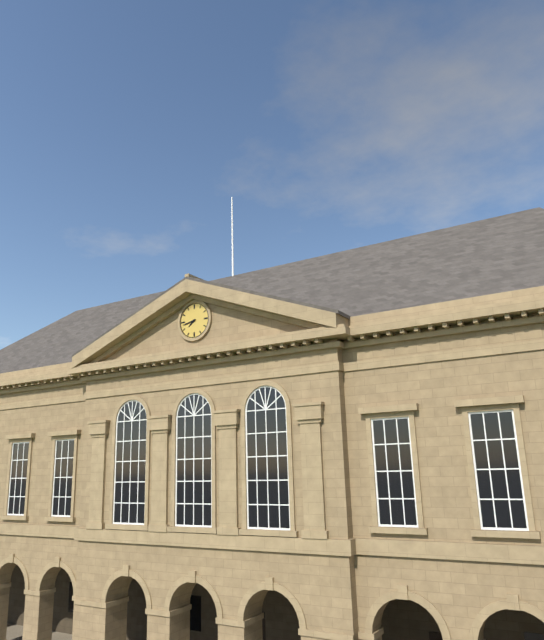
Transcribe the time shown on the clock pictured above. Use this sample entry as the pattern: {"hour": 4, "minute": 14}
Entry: {"hour": 7, "minute": 43}
